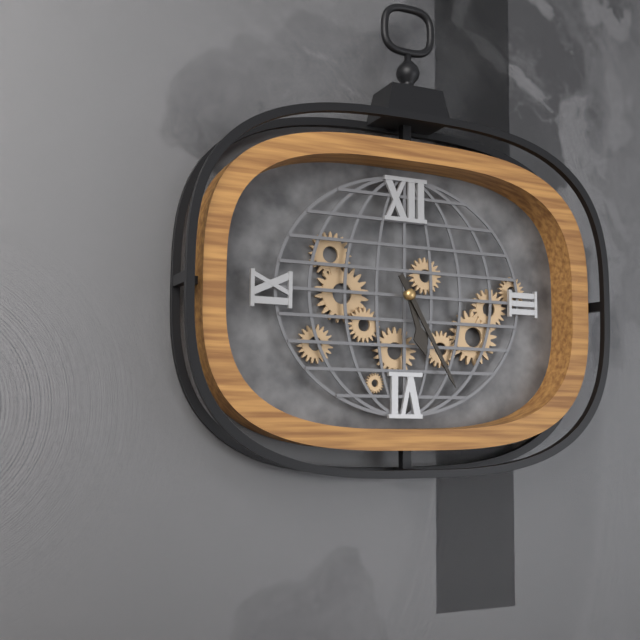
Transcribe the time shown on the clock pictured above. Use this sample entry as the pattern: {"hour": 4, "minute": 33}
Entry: {"hour": 5, "minute": 25}
